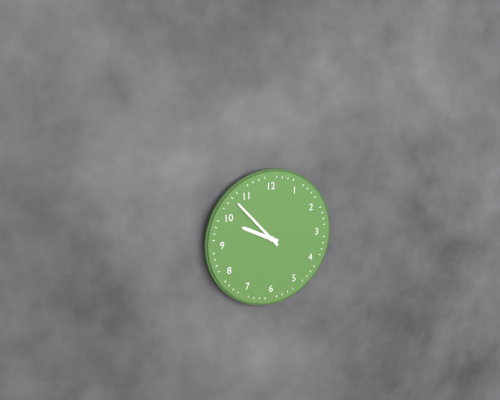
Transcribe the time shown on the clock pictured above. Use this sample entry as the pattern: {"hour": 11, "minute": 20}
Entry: {"hour": 9, "minute": 53}
